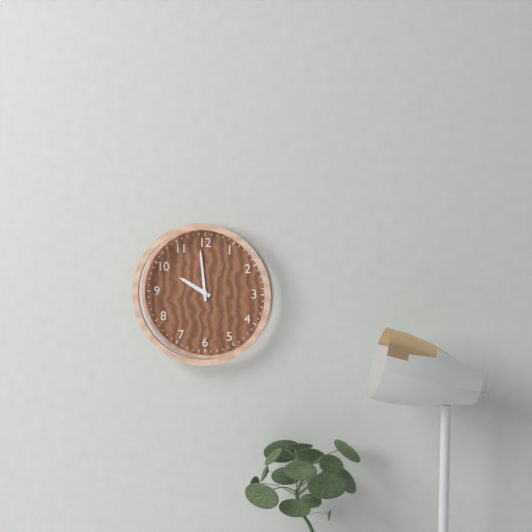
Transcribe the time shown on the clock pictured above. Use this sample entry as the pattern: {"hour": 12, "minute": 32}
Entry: {"hour": 9, "minute": 59}
